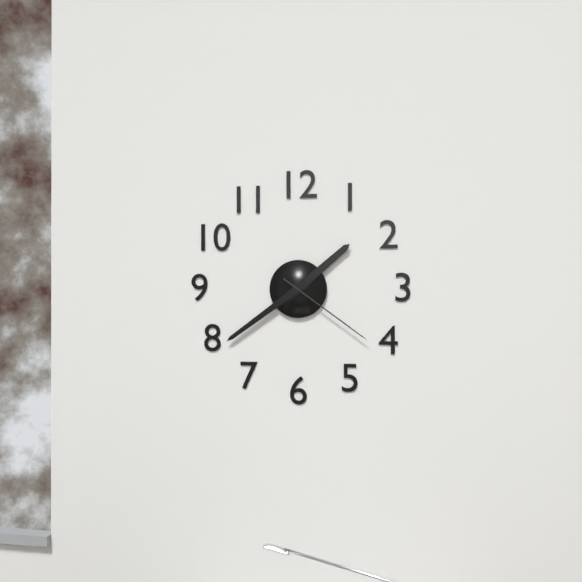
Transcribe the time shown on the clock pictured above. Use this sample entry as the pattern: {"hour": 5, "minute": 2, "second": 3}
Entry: {"hour": 1, "minute": 39, "second": 21}
